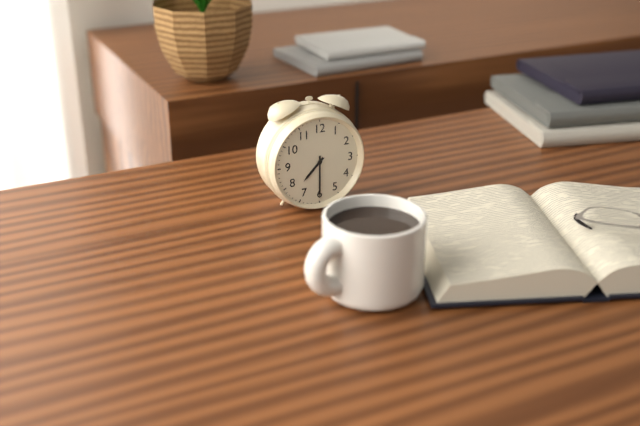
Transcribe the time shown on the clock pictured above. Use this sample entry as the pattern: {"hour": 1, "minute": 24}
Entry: {"hour": 7, "minute": 30}
